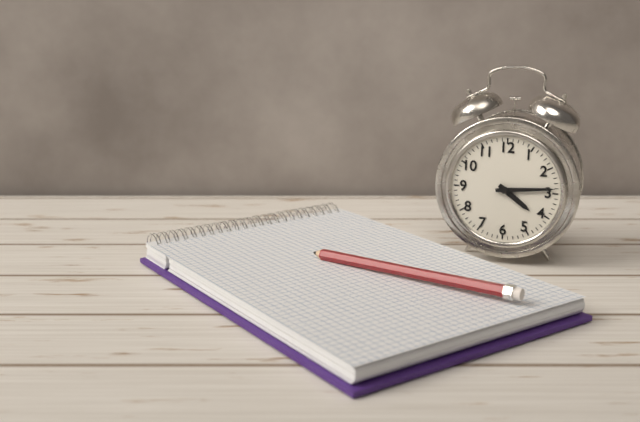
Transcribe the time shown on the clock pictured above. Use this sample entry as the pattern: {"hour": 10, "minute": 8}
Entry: {"hour": 4, "minute": 14}
